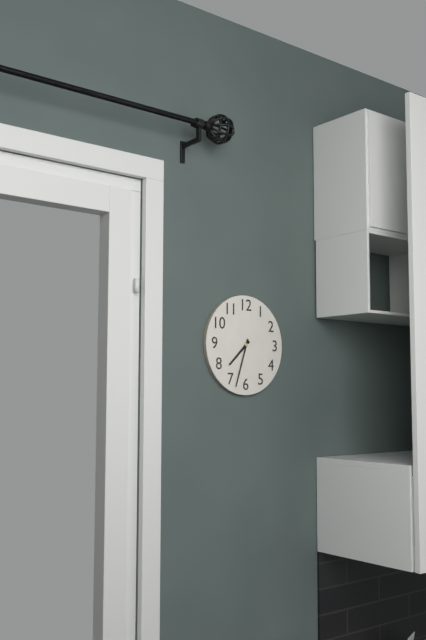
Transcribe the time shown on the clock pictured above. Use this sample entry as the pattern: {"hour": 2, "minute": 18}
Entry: {"hour": 7, "minute": 33}
